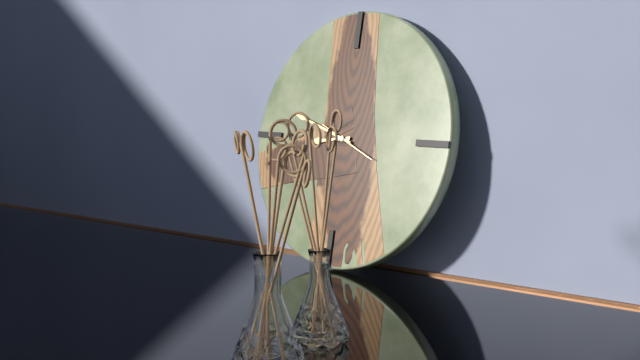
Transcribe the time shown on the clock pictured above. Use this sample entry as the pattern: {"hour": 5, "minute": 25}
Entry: {"hour": 8, "minute": 48}
